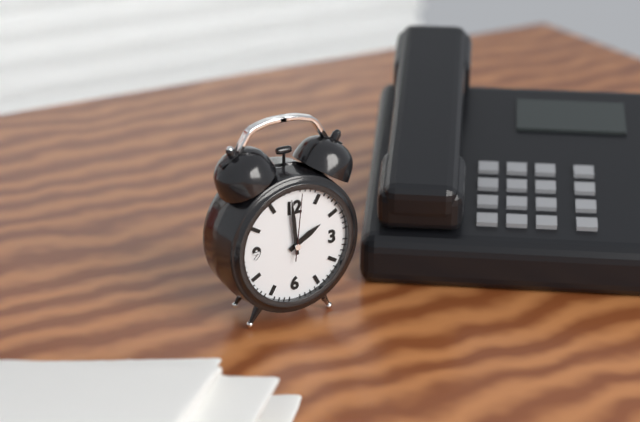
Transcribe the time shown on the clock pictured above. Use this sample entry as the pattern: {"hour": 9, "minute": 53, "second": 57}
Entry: {"hour": 1, "minute": 59, "second": 1}
